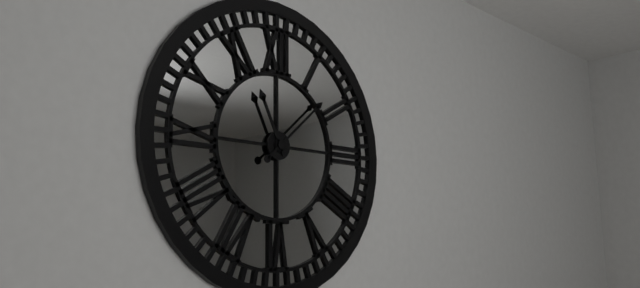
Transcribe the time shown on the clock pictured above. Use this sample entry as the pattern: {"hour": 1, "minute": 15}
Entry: {"hour": 11, "minute": 8}
